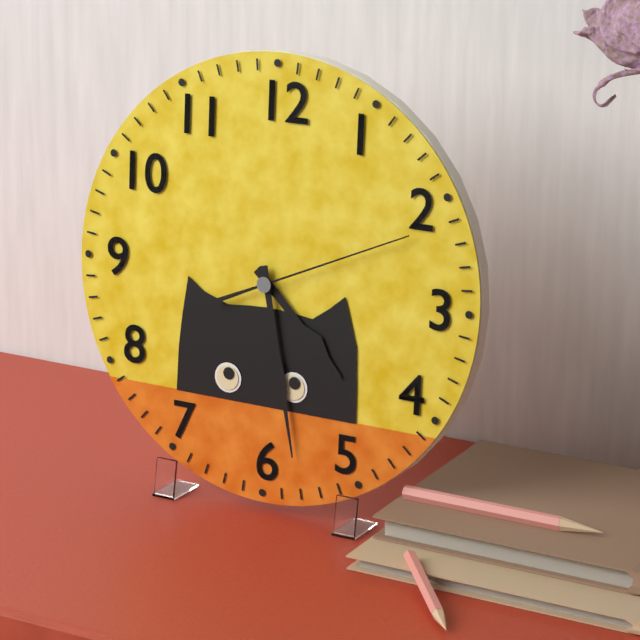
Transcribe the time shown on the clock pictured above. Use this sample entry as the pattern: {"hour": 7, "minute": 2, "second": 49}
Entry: {"hour": 4, "minute": 28, "second": 11}
